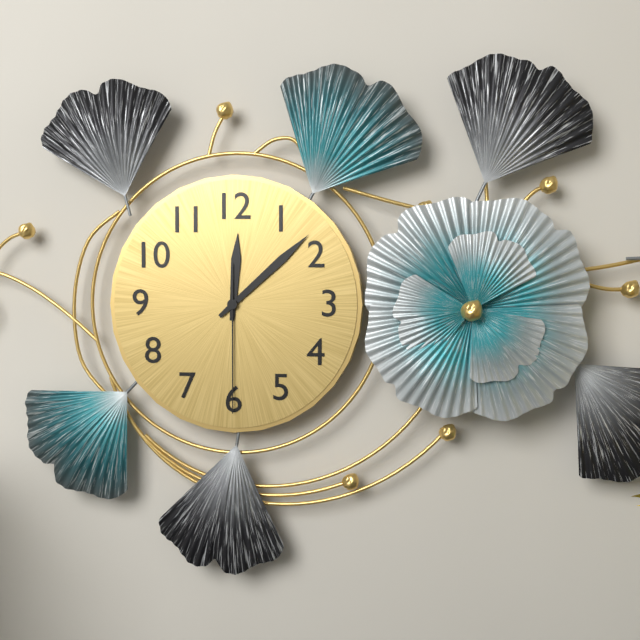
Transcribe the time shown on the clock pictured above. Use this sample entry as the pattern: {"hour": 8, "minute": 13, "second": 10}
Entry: {"hour": 12, "minute": 8, "second": 30}
